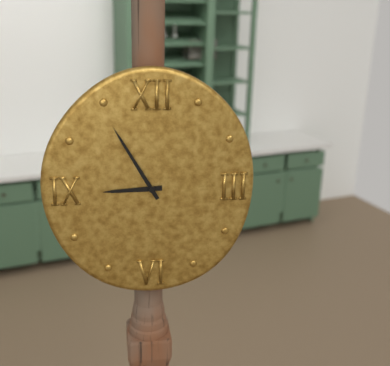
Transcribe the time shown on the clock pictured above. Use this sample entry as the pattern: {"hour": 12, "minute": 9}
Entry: {"hour": 8, "minute": 55}
